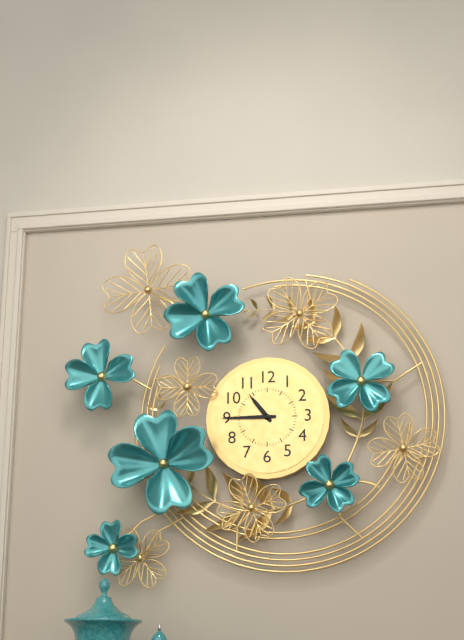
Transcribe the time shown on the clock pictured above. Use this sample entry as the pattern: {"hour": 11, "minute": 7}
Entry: {"hour": 10, "minute": 45}
